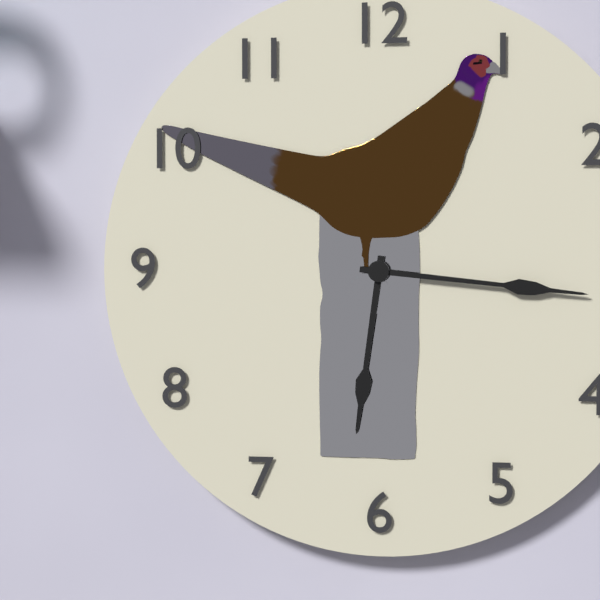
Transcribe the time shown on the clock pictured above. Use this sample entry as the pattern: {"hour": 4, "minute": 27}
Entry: {"hour": 6, "minute": 16}
